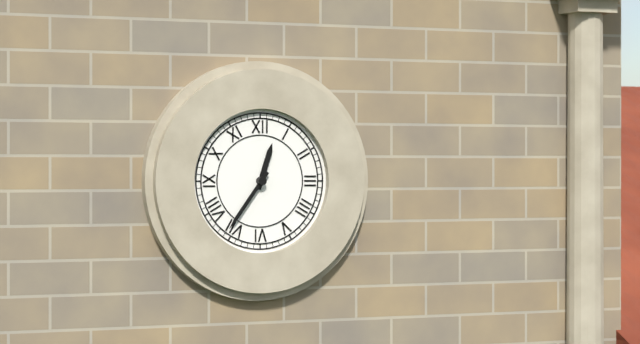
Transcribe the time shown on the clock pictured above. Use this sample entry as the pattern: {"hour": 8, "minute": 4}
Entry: {"hour": 12, "minute": 36}
